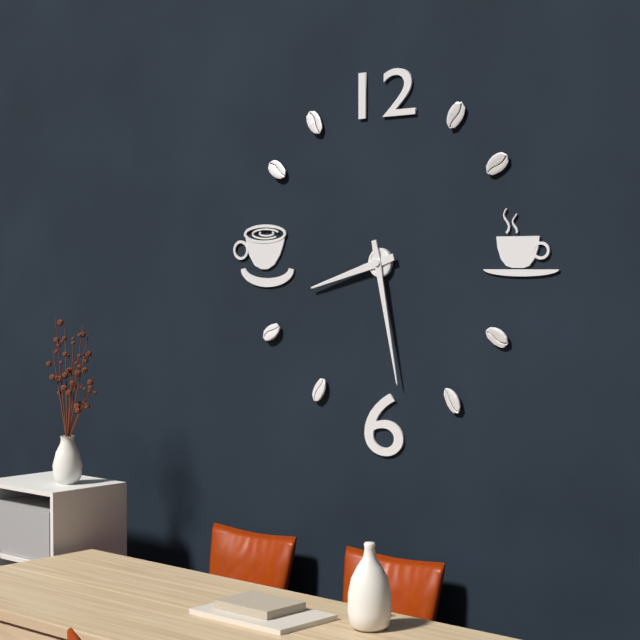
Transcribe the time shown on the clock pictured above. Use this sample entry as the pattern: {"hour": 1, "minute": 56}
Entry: {"hour": 8, "minute": 28}
